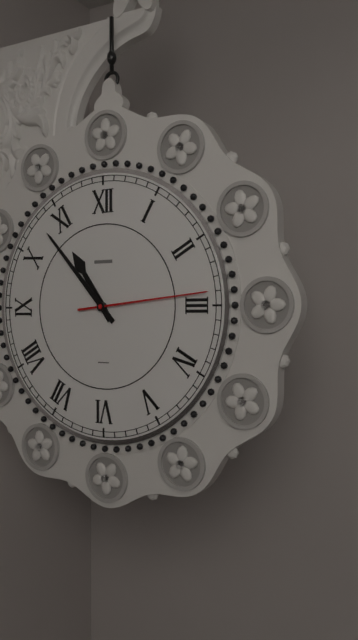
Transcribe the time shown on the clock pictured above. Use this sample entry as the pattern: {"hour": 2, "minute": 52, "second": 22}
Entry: {"hour": 10, "minute": 53, "second": 14}
